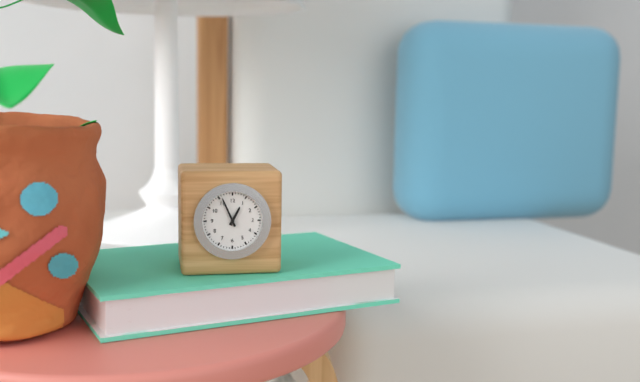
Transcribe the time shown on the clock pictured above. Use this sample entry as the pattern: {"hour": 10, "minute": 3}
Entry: {"hour": 12, "minute": 56}
